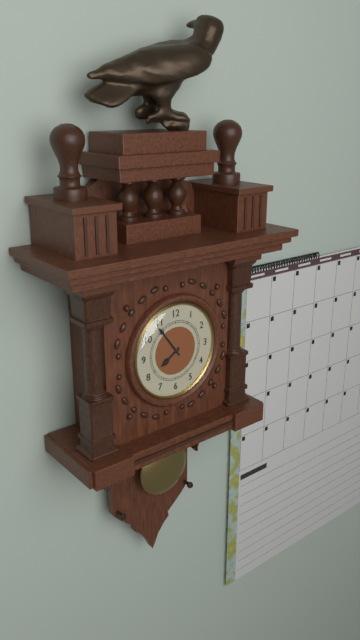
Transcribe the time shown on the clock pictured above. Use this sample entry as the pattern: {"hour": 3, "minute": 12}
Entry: {"hour": 7, "minute": 54}
